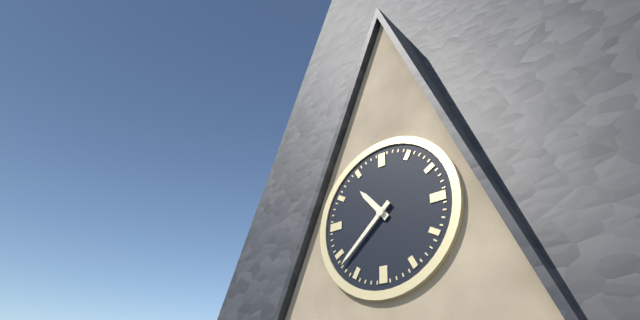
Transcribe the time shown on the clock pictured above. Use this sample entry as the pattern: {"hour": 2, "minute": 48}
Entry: {"hour": 10, "minute": 38}
